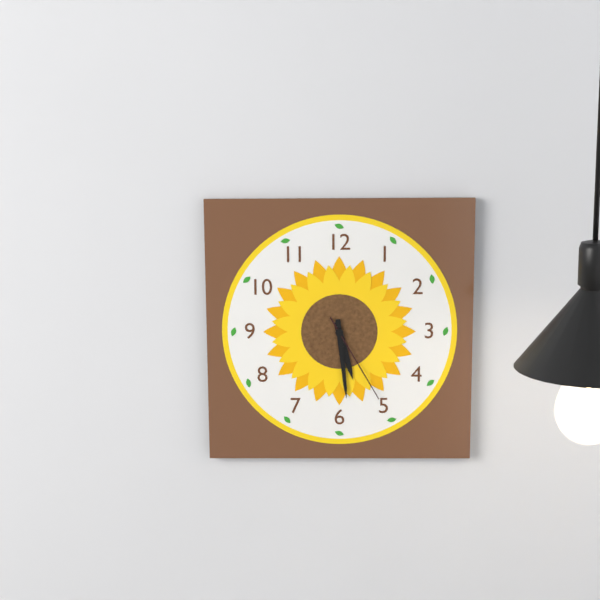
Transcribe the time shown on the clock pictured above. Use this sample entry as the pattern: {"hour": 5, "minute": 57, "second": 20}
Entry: {"hour": 5, "minute": 29, "second": 25}
